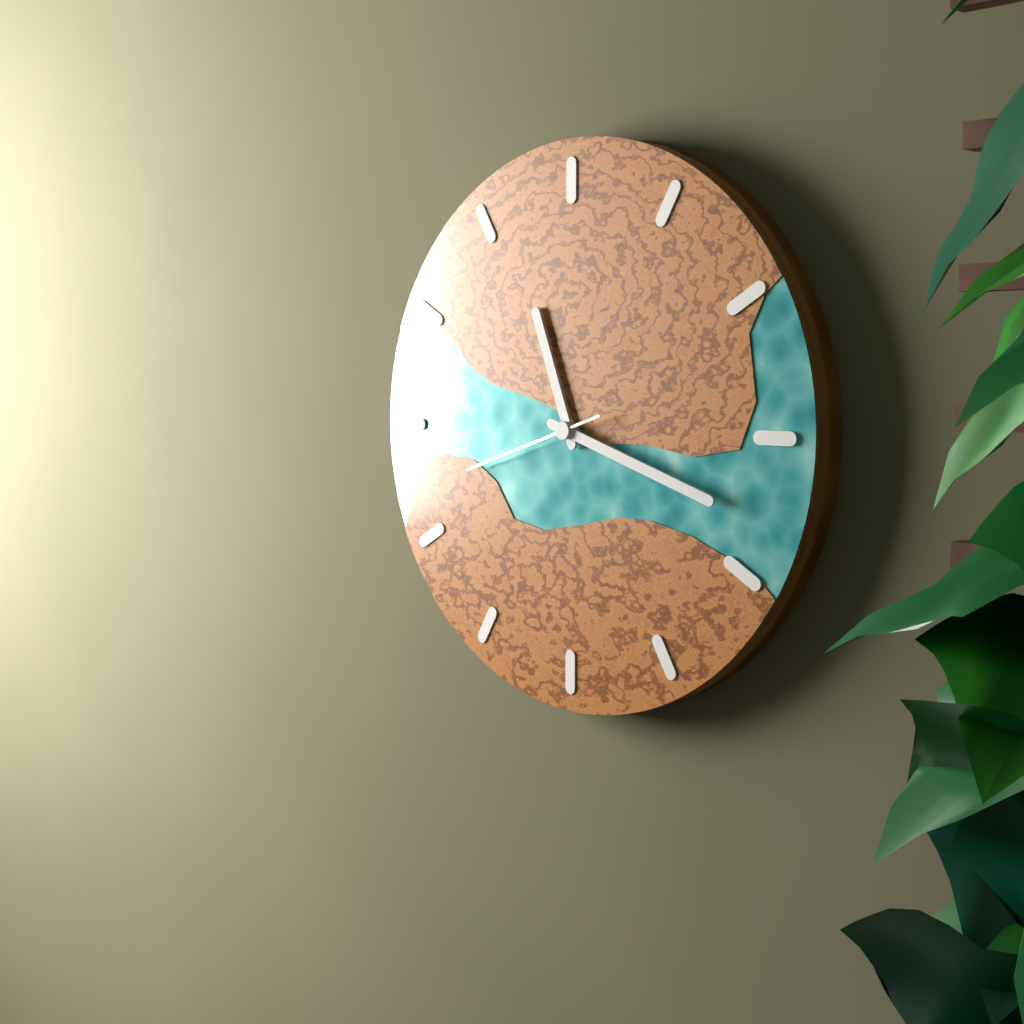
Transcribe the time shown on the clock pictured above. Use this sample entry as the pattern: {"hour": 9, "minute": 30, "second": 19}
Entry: {"hour": 11, "minute": 18, "second": 42}
